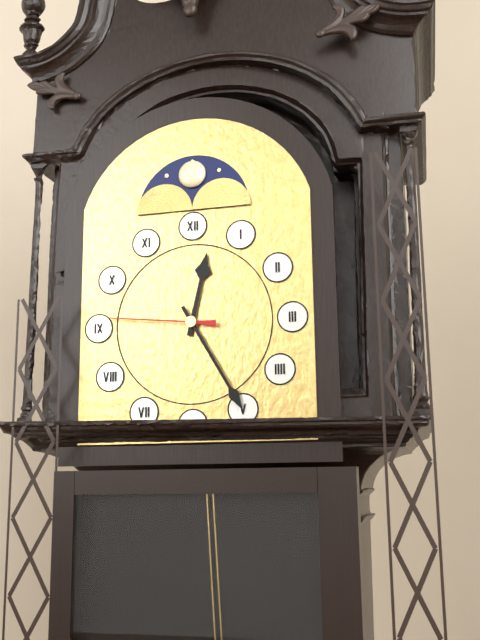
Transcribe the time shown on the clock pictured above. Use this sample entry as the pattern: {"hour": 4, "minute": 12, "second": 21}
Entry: {"hour": 12, "minute": 25, "second": 46}
